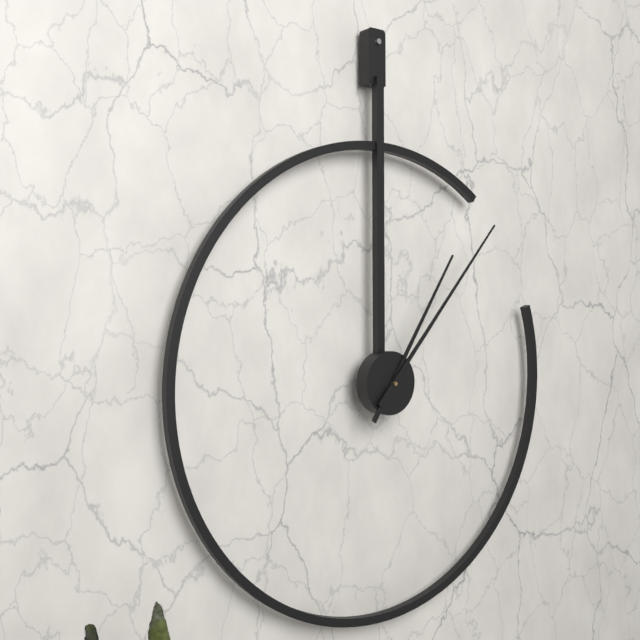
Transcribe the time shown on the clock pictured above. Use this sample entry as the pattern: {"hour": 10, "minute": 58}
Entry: {"hour": 1, "minute": 7}
